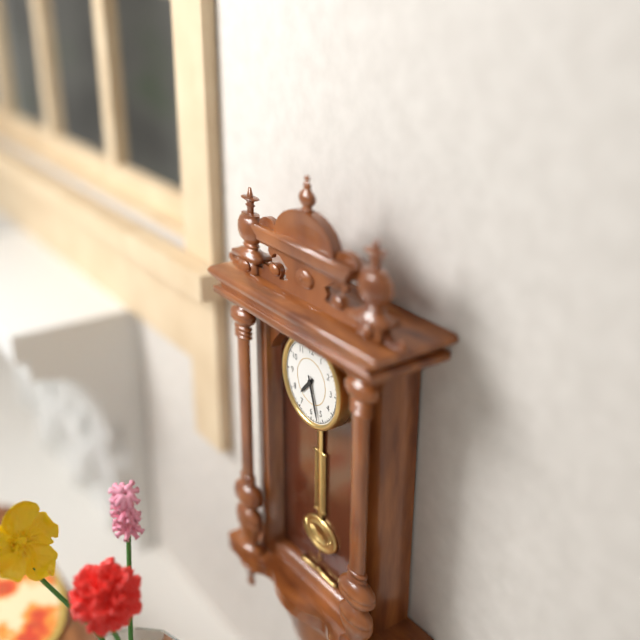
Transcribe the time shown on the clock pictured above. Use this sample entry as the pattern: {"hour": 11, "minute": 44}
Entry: {"hour": 7, "minute": 27}
